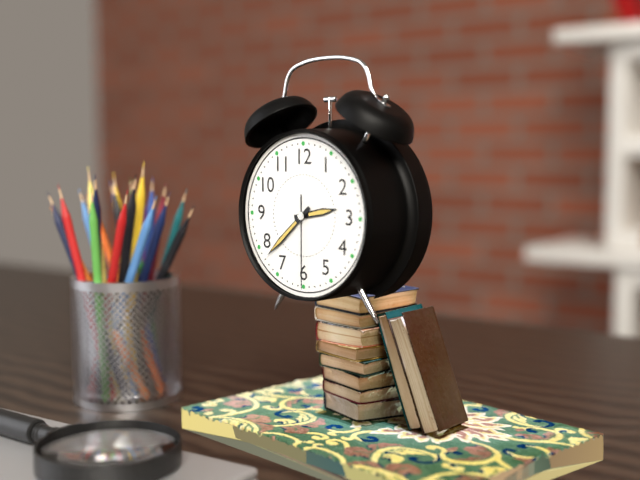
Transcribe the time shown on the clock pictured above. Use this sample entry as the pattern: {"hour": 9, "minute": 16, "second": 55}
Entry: {"hour": 2, "minute": 38, "second": 30}
